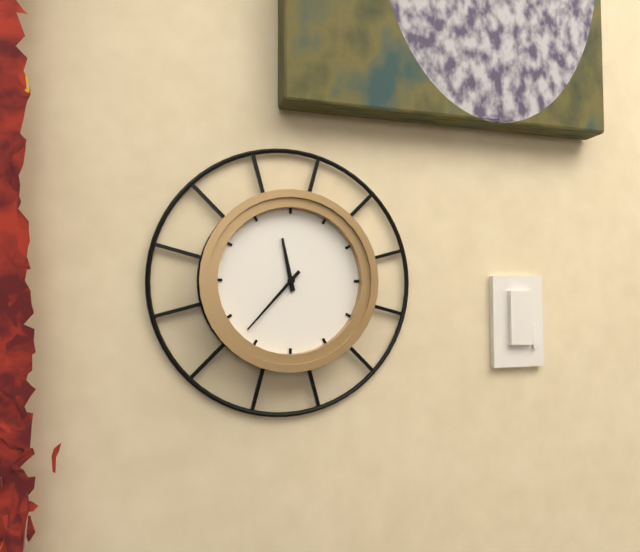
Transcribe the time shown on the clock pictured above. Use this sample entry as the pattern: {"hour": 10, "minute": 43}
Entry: {"hour": 11, "minute": 37}
